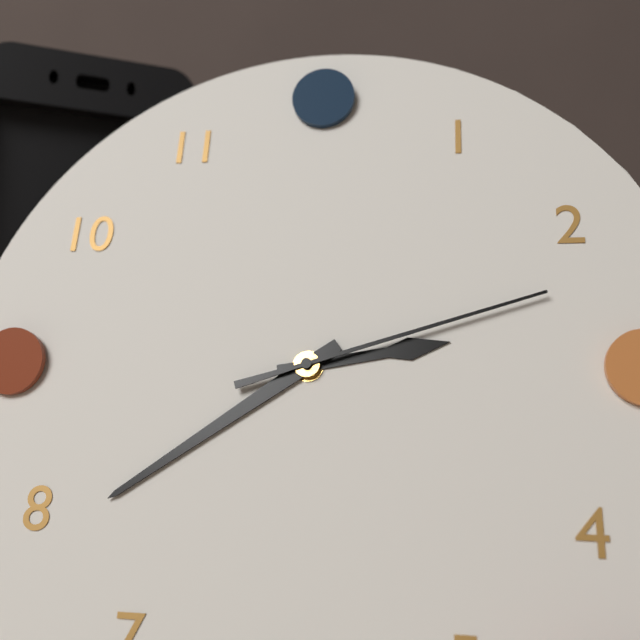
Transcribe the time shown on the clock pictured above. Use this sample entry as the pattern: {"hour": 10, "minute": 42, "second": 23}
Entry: {"hour": 2, "minute": 39, "second": 12}
